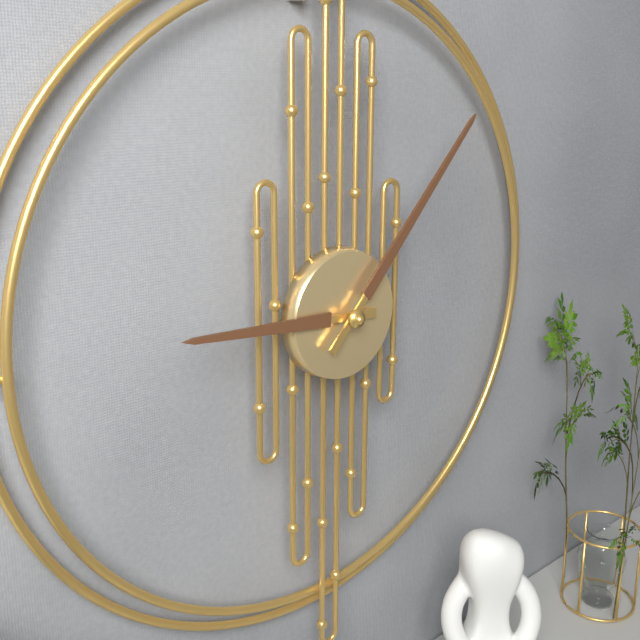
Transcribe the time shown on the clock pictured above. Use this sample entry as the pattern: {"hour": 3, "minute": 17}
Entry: {"hour": 9, "minute": 7}
